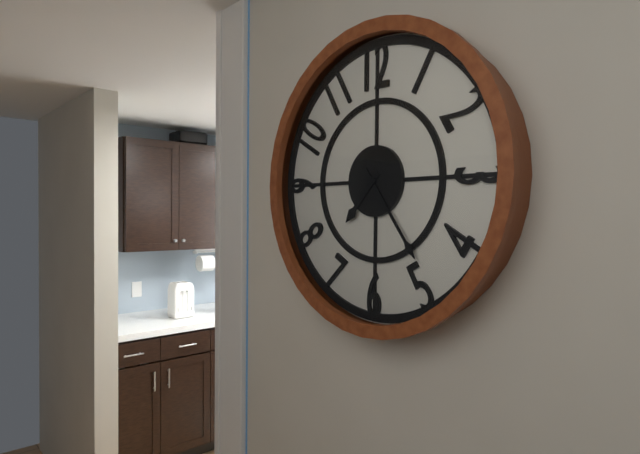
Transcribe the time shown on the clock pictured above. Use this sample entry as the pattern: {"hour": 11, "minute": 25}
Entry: {"hour": 7, "minute": 24}
